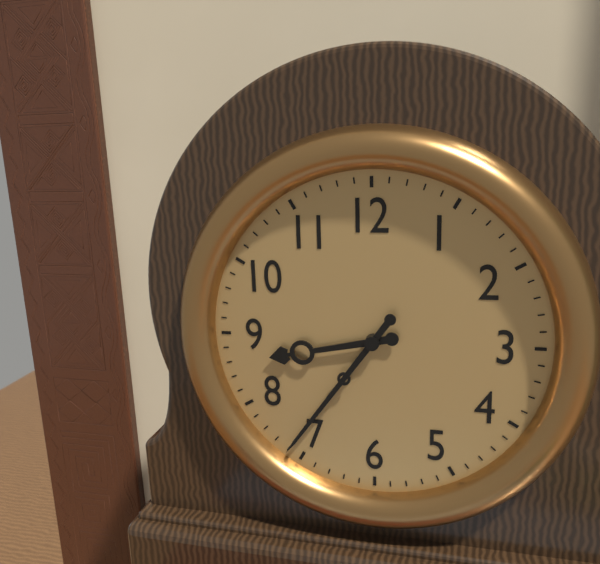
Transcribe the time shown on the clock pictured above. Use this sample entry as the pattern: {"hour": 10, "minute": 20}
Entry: {"hour": 8, "minute": 36}
